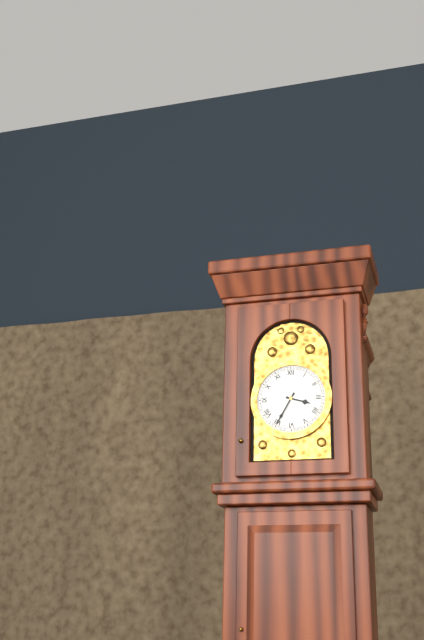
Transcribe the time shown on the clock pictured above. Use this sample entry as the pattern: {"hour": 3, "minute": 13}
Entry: {"hour": 3, "minute": 35}
